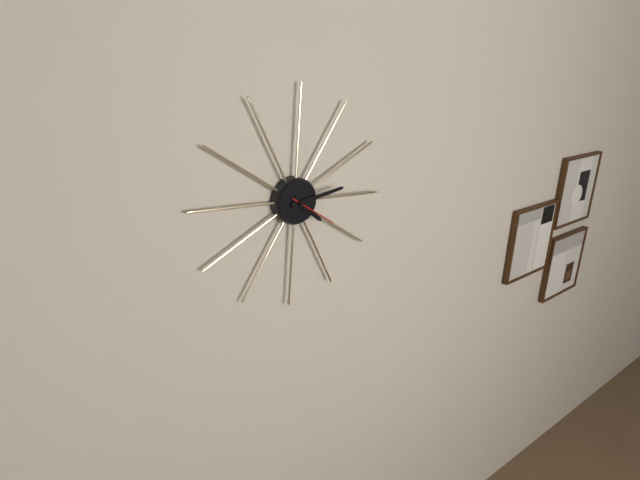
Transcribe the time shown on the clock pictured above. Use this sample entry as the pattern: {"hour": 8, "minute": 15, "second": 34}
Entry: {"hour": 4, "minute": 13, "second": 20}
